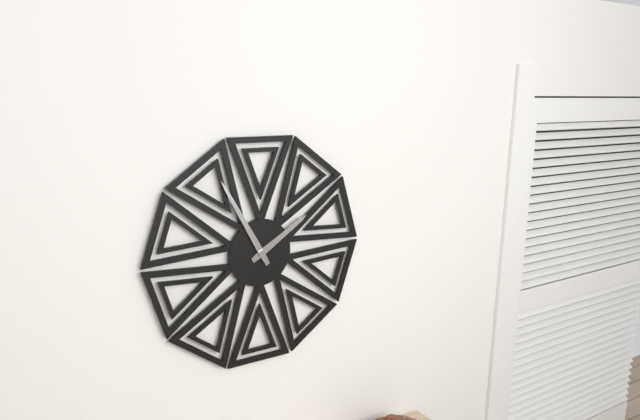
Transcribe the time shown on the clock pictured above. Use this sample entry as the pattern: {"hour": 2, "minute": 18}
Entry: {"hour": 1, "minute": 55}
